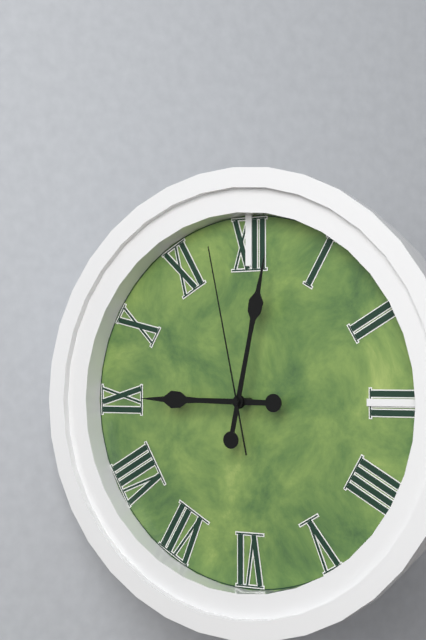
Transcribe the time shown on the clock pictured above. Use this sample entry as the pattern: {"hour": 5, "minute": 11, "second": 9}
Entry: {"hour": 9, "minute": 2, "second": 58}
